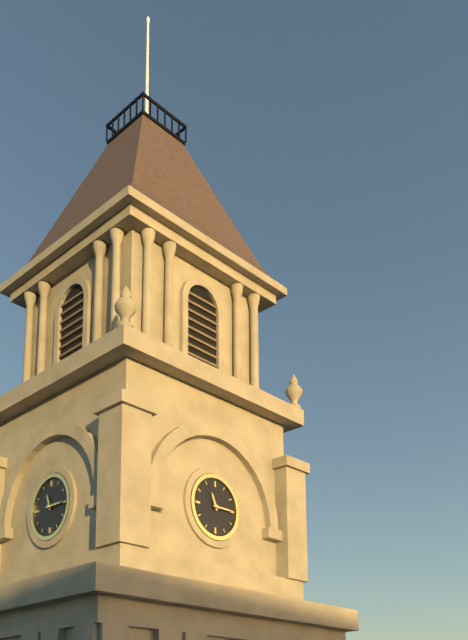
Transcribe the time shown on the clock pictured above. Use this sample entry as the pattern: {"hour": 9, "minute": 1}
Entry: {"hour": 11, "minute": 15}
